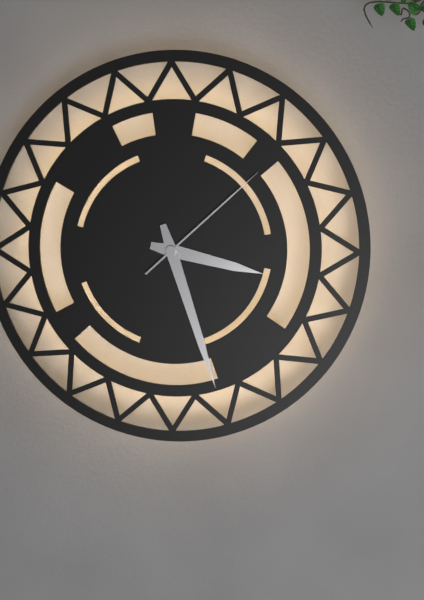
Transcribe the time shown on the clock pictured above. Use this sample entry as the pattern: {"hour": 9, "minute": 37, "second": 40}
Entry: {"hour": 3, "minute": 27, "second": 8}
